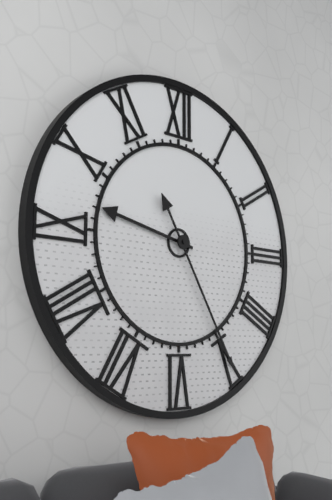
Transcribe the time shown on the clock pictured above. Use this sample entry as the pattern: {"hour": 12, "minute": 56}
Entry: {"hour": 9, "minute": 25}
